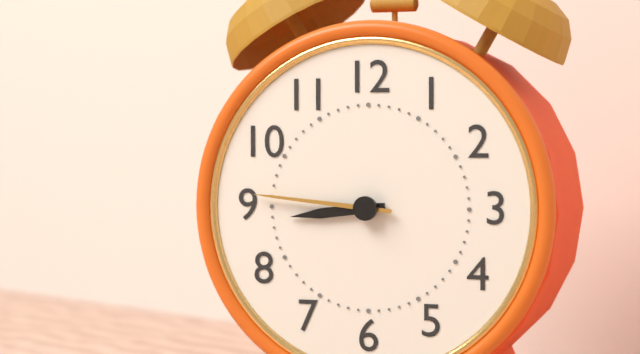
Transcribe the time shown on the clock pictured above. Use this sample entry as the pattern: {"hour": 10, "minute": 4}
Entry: {"hour": 8, "minute": 46}
